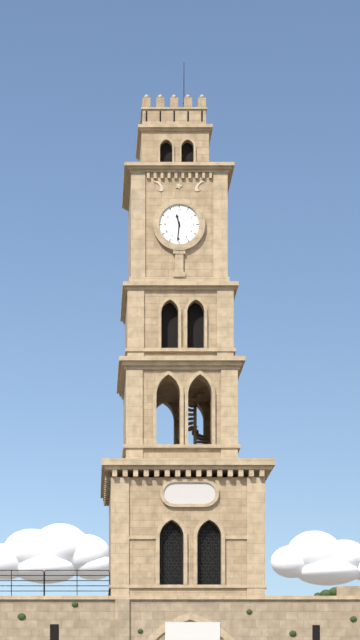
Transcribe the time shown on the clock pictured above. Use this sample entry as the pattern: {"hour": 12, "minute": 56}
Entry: {"hour": 11, "minute": 31}
